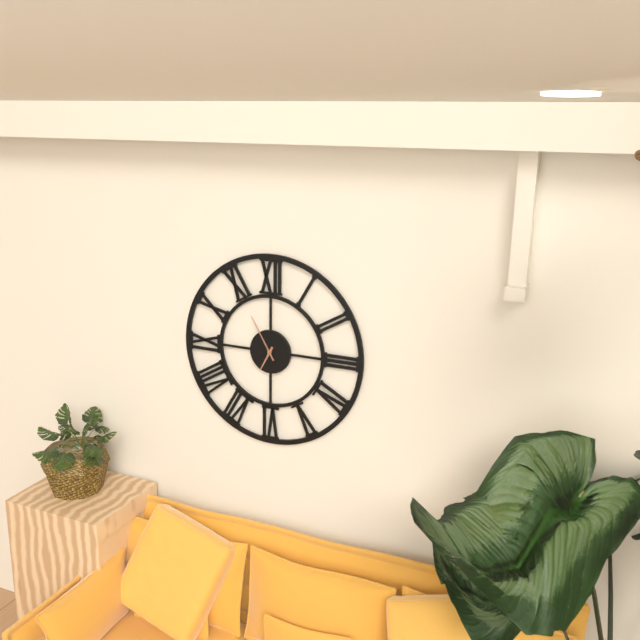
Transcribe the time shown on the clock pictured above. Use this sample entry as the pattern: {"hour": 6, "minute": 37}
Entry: {"hour": 6, "minute": 55}
